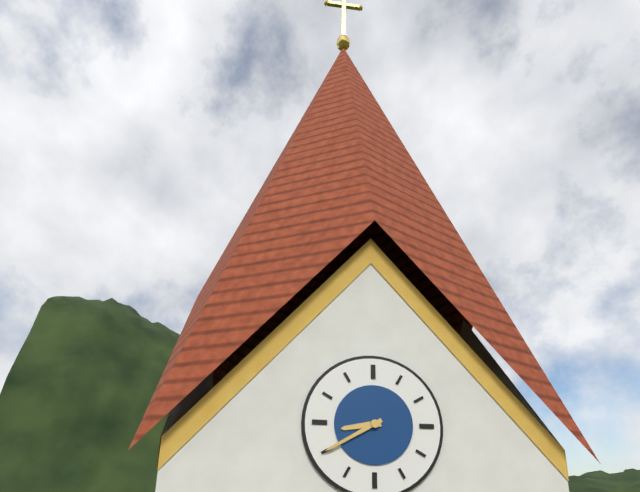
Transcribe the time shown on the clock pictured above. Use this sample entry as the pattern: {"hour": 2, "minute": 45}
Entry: {"hour": 8, "minute": 40}
